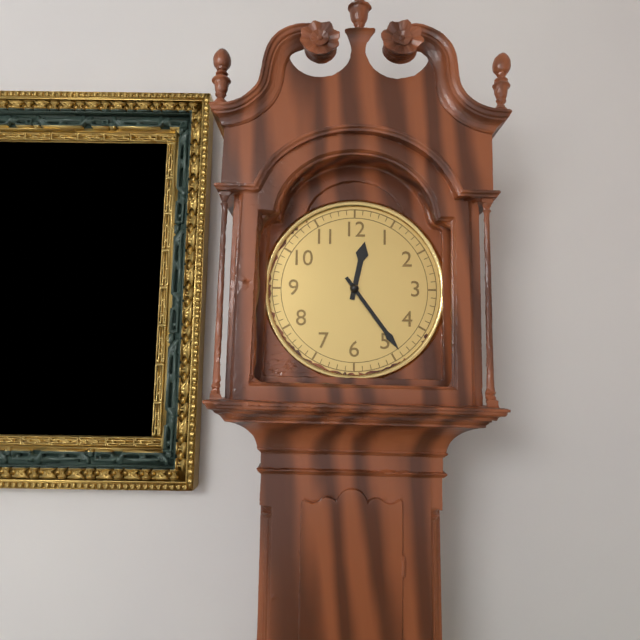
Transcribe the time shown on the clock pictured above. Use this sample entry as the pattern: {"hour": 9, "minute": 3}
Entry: {"hour": 12, "minute": 24}
